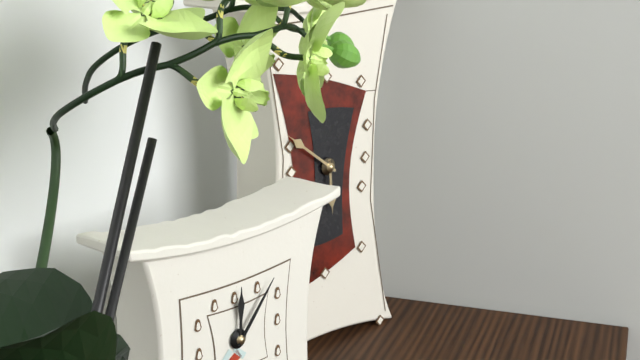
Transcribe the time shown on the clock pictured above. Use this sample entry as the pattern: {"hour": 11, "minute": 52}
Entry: {"hour": 5, "minute": 51}
